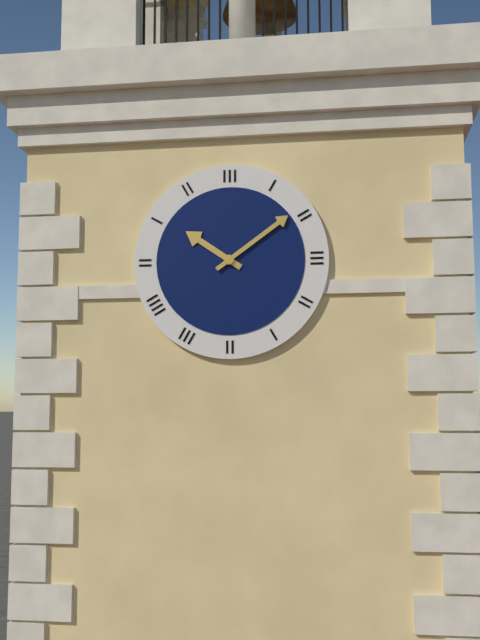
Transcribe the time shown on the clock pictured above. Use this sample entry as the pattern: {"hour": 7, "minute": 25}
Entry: {"hour": 10, "minute": 9}
